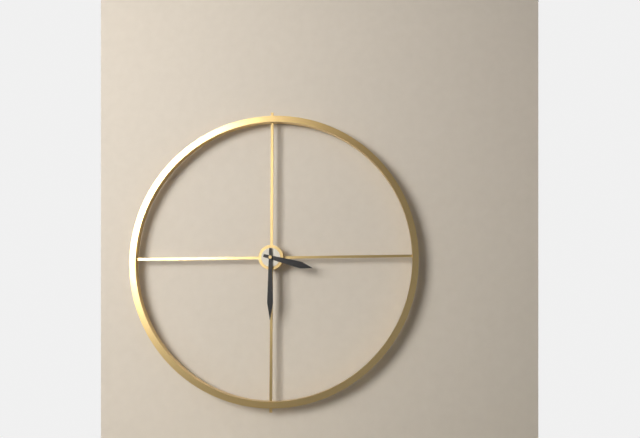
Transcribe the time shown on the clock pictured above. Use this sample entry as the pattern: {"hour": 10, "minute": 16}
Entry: {"hour": 3, "minute": 30}
